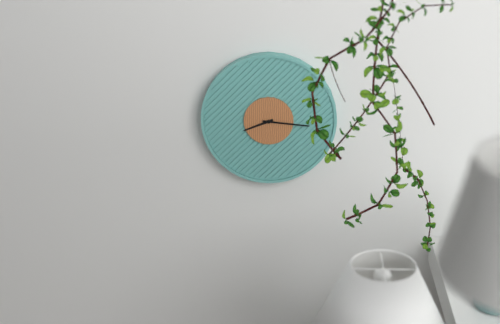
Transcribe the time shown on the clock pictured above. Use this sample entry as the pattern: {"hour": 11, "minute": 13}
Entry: {"hour": 8, "minute": 16}
